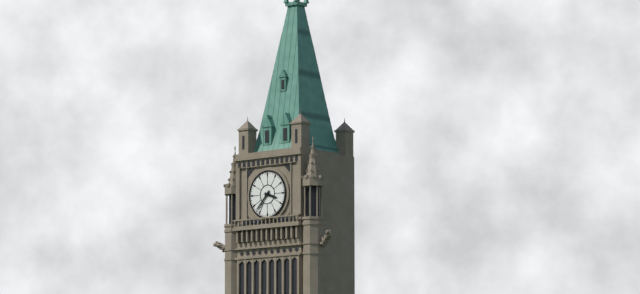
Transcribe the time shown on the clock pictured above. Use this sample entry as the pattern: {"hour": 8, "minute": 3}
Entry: {"hour": 3, "minute": 37}
